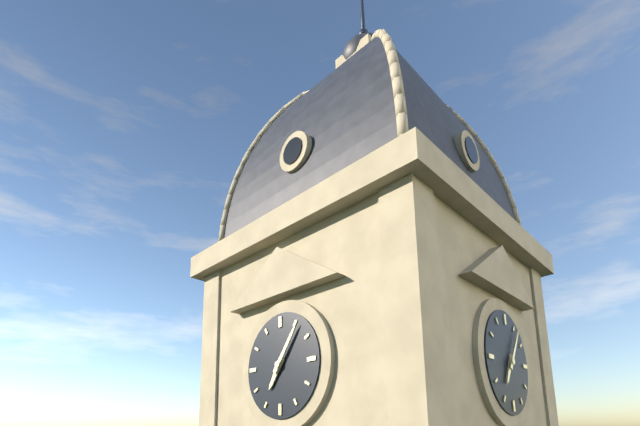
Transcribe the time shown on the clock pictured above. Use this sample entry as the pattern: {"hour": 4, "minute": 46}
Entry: {"hour": 7, "minute": 6}
